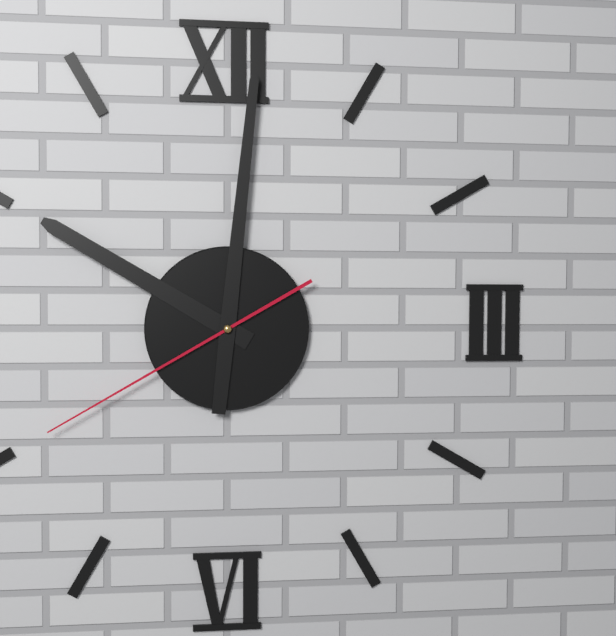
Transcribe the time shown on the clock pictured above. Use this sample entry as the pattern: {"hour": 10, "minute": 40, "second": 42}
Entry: {"hour": 10, "minute": 1, "second": 40}
